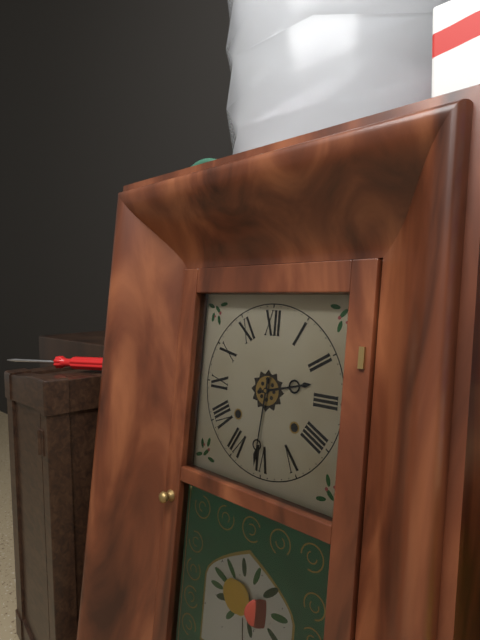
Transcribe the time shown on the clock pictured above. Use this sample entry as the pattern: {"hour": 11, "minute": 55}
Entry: {"hour": 2, "minute": 31}
